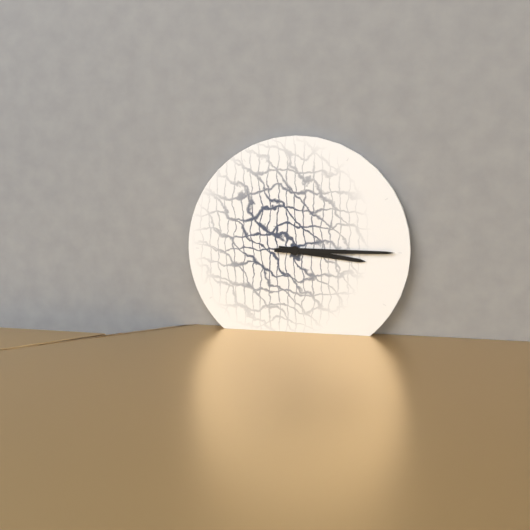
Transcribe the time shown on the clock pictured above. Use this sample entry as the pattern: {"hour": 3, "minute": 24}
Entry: {"hour": 3, "minute": 15}
